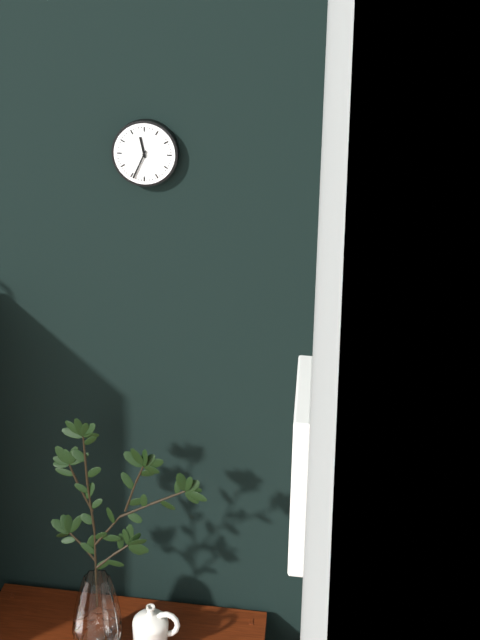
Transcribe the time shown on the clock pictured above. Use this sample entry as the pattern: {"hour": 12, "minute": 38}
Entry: {"hour": 11, "minute": 34}
